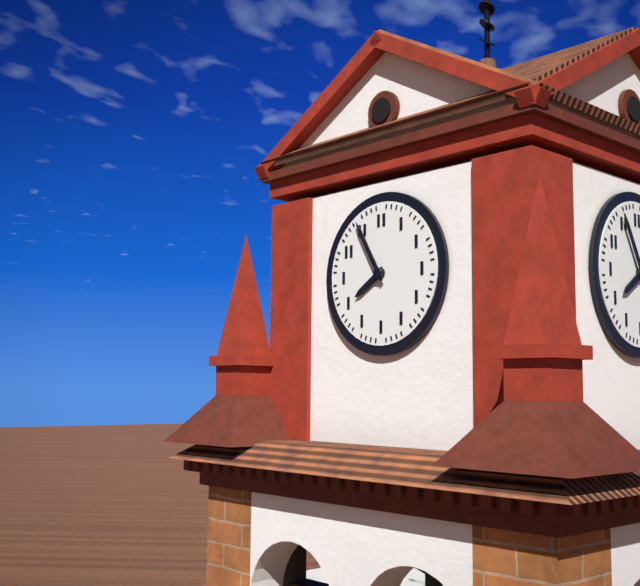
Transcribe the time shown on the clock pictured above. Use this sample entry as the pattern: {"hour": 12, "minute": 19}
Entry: {"hour": 7, "minute": 55}
